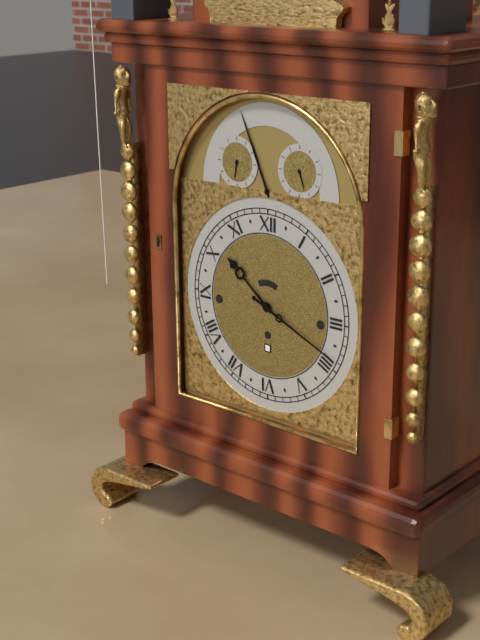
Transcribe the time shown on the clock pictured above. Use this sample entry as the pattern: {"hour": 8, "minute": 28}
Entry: {"hour": 10, "minute": 19}
